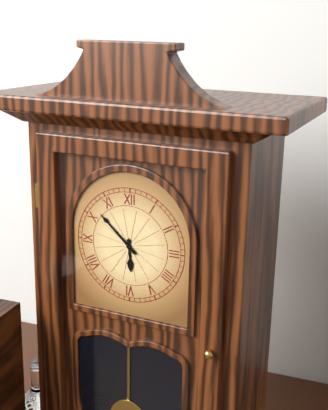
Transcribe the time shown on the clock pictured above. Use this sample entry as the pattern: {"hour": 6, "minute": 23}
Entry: {"hour": 5, "minute": 52}
